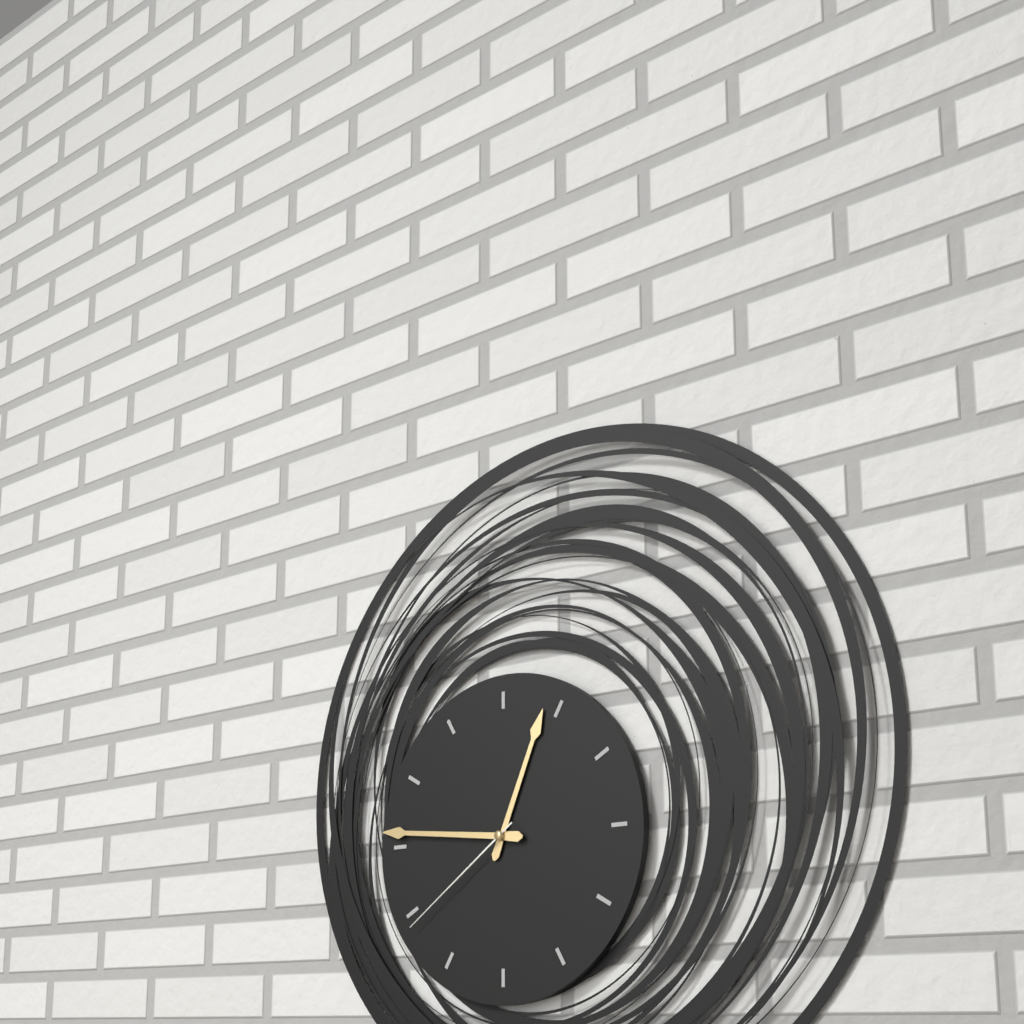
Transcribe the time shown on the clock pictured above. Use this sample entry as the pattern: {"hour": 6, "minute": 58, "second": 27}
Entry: {"hour": 12, "minute": 46, "second": 39}
